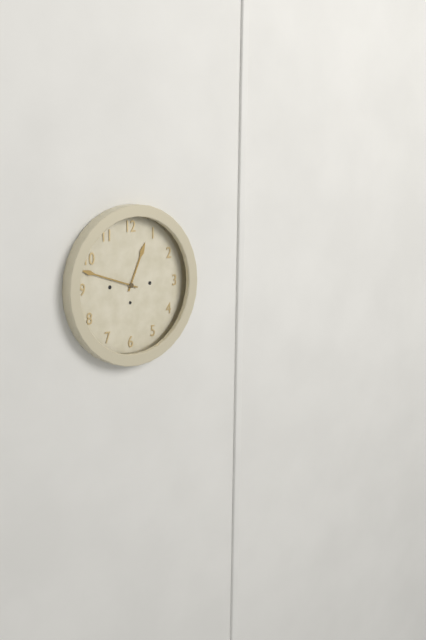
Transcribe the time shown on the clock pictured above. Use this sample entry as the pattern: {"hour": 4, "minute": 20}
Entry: {"hour": 12, "minute": 48}
